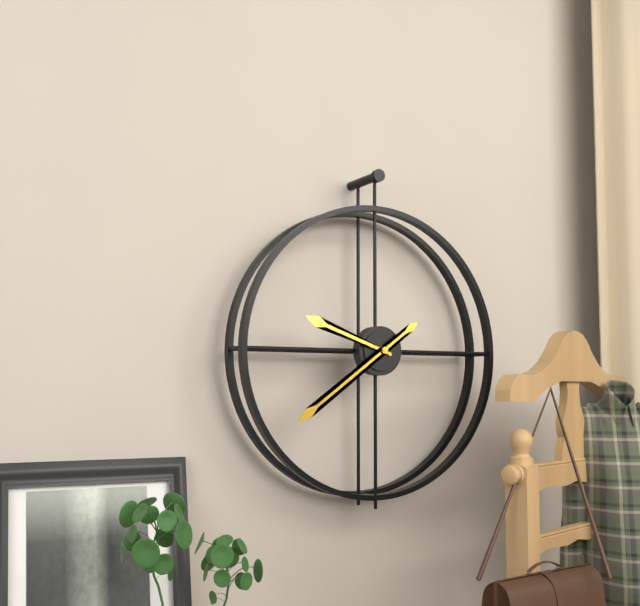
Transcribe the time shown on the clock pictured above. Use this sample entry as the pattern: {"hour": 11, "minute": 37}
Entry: {"hour": 9, "minute": 39}
